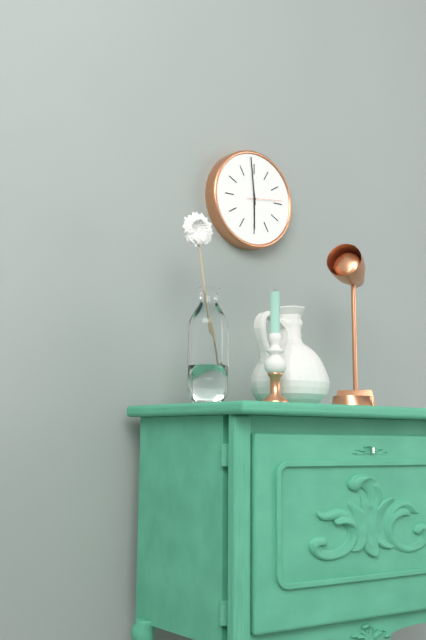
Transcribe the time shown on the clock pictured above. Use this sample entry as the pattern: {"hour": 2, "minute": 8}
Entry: {"hour": 5, "minute": 59}
